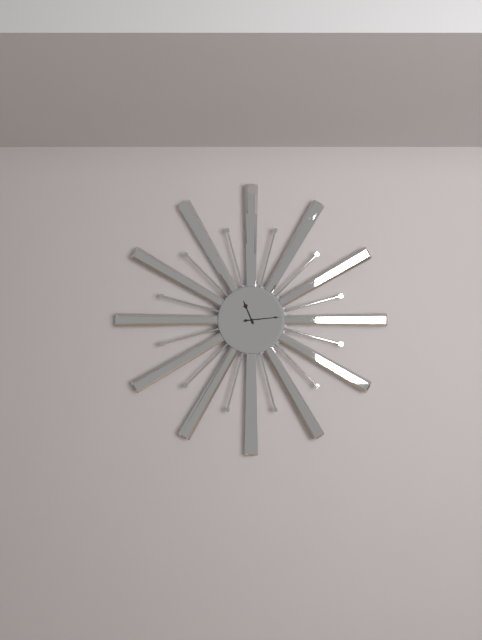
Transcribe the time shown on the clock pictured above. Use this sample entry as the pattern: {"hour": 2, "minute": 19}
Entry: {"hour": 11, "minute": 14}
